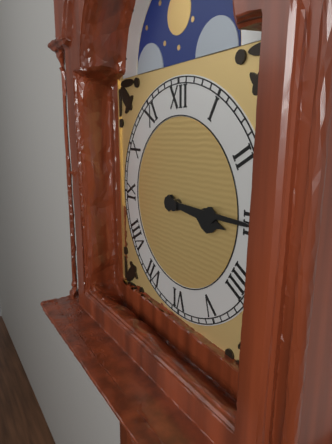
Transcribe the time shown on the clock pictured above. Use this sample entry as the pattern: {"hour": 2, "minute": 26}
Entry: {"hour": 3, "minute": 15}
